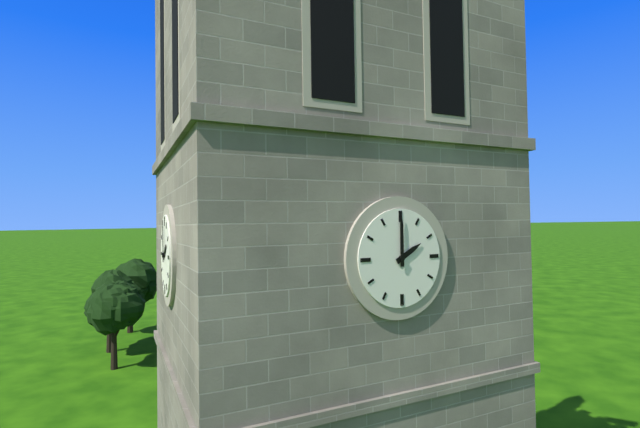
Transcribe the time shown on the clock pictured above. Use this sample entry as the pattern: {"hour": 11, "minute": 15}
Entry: {"hour": 2, "minute": 0}
